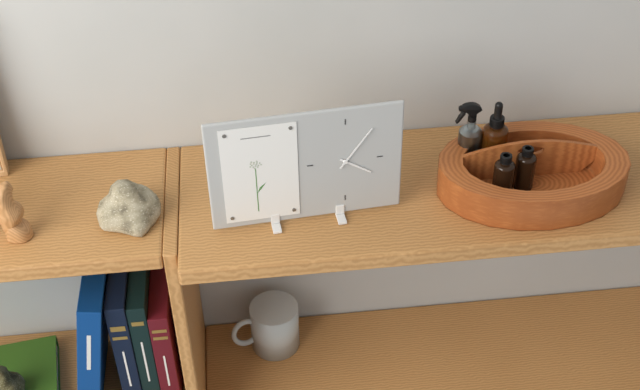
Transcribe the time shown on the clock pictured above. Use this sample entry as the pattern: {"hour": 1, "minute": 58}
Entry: {"hour": 4, "minute": 6}
